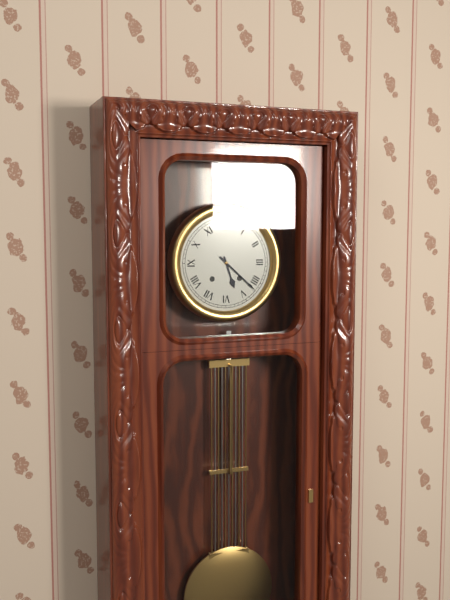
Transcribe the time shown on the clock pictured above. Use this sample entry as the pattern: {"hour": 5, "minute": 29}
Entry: {"hour": 5, "minute": 22}
